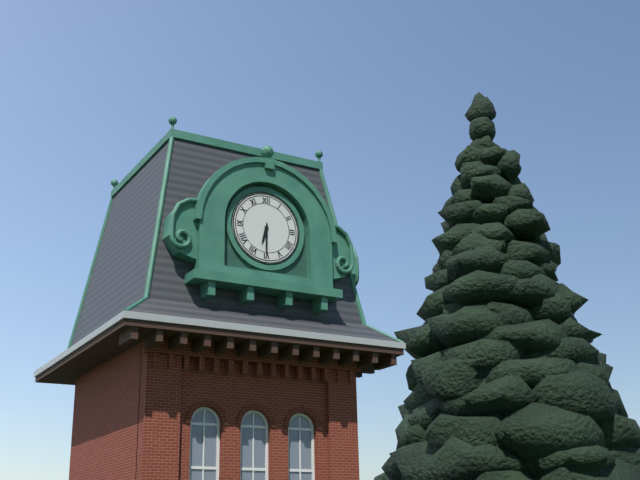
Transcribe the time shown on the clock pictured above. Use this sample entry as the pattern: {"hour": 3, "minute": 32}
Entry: {"hour": 6, "minute": 30}
